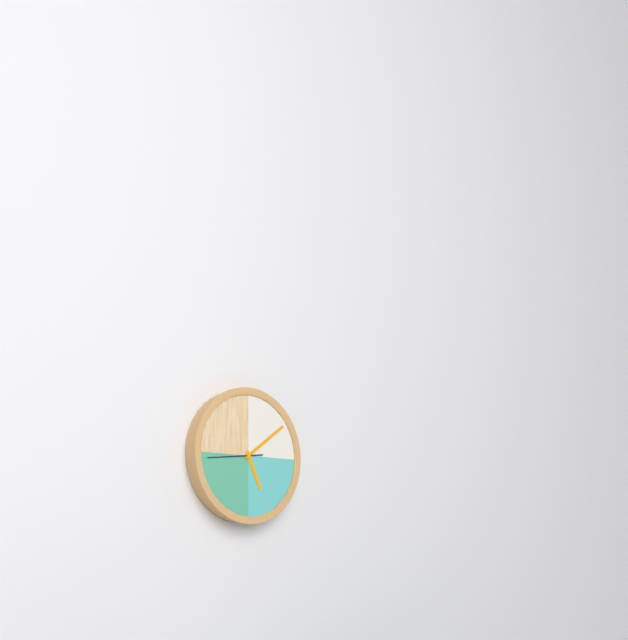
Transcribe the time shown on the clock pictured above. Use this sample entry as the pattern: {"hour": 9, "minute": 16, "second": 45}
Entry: {"hour": 5, "minute": 9, "second": 44}
